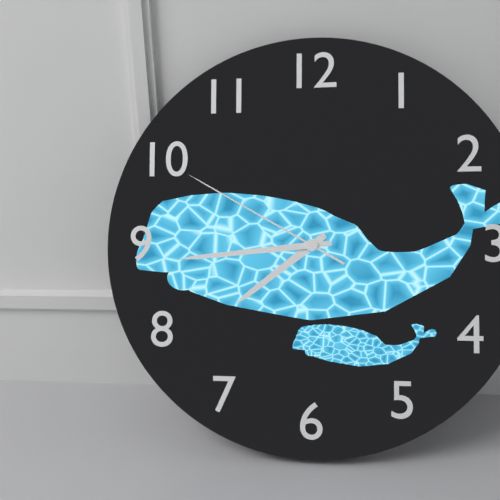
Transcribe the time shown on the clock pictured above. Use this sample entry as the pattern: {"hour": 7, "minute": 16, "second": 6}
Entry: {"hour": 7, "minute": 44, "second": 50}
